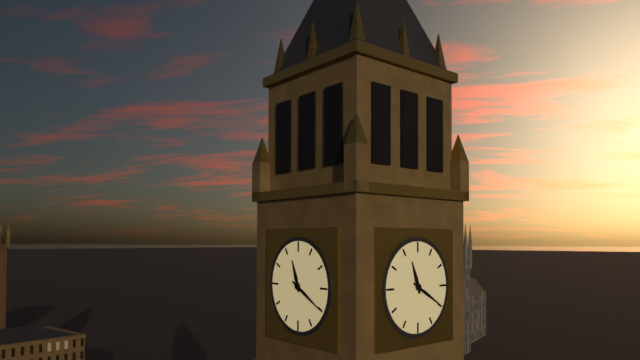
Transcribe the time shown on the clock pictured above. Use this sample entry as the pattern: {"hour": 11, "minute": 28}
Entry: {"hour": 11, "minute": 20}
